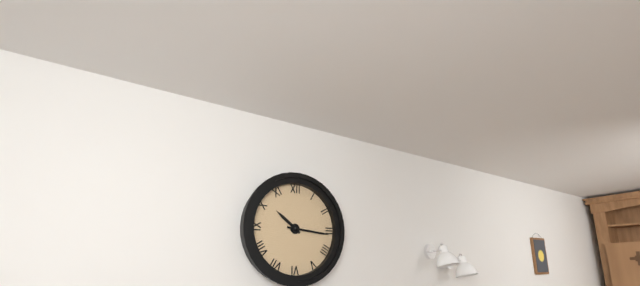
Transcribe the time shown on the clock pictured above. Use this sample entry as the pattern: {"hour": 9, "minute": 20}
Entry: {"hour": 10, "minute": 16}
